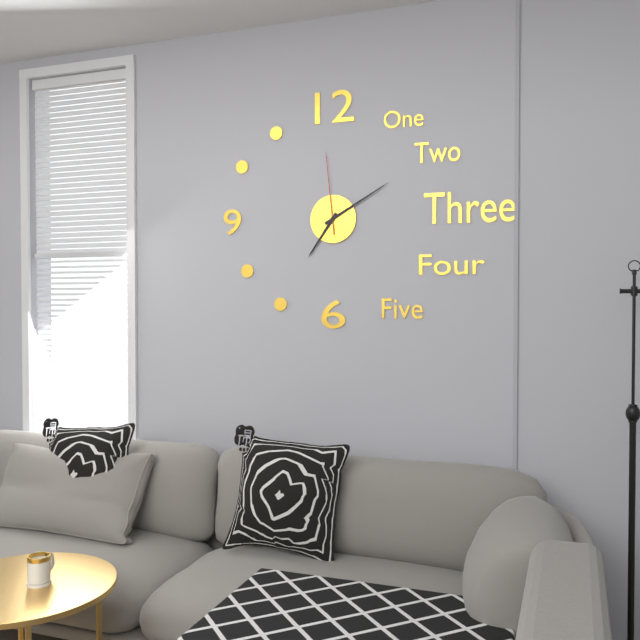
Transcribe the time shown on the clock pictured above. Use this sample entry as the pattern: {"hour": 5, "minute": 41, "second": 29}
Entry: {"hour": 7, "minute": 10, "second": 59}
